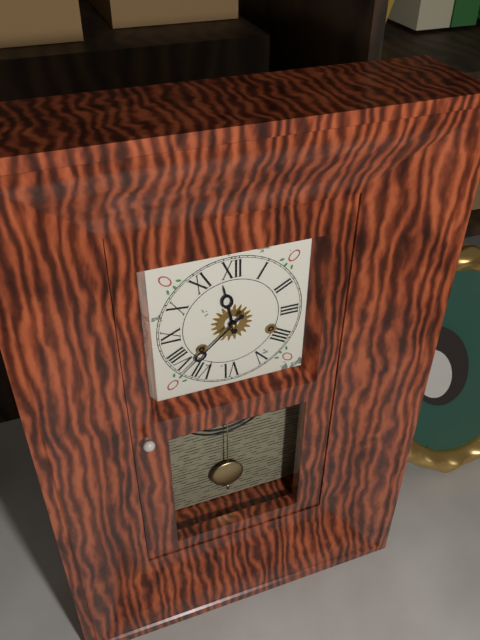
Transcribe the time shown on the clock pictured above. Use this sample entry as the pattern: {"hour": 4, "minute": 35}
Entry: {"hour": 11, "minute": 38}
